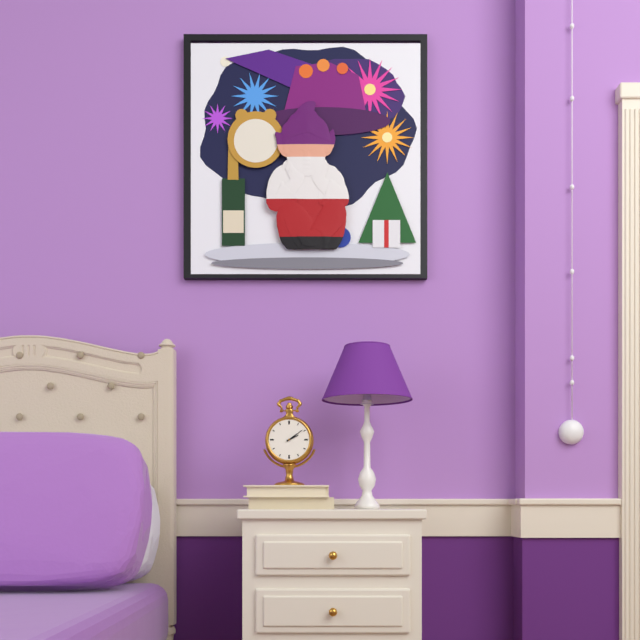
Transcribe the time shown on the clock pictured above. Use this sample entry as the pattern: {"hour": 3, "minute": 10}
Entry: {"hour": 2, "minute": 9}
